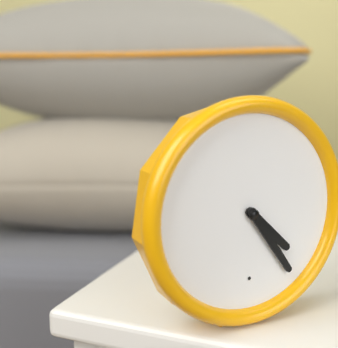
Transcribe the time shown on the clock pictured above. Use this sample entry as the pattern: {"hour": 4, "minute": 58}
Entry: {"hour": 4, "minute": 24}
